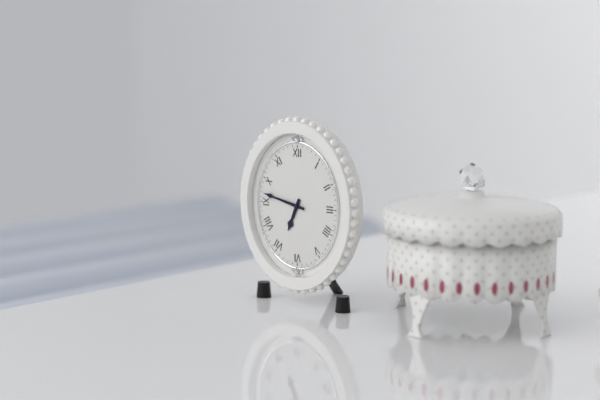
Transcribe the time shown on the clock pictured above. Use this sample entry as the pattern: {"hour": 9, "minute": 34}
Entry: {"hour": 6, "minute": 47}
